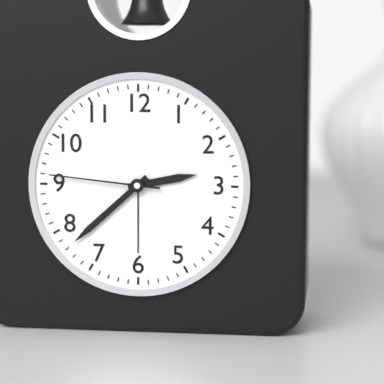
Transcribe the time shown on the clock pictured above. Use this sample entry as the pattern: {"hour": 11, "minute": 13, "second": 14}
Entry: {"hour": 2, "minute": 38, "second": 46}
